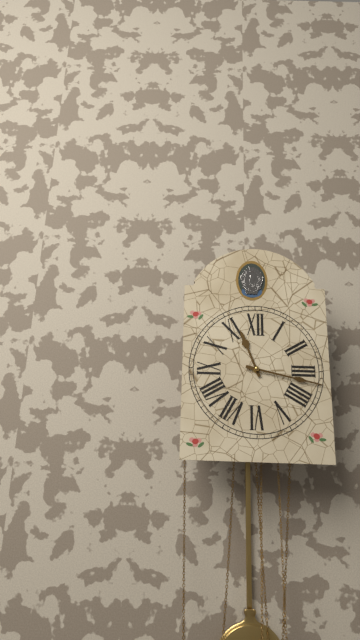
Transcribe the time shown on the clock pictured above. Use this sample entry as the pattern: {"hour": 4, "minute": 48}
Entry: {"hour": 11, "minute": 17}
